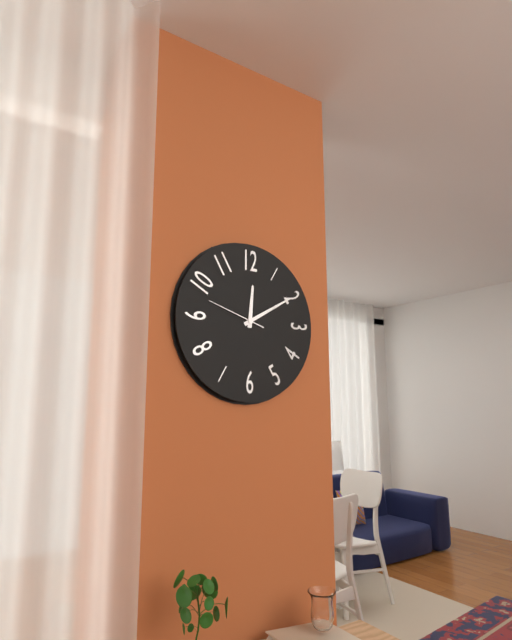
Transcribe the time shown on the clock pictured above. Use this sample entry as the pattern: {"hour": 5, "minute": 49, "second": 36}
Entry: {"hour": 12, "minute": 10, "second": 48}
